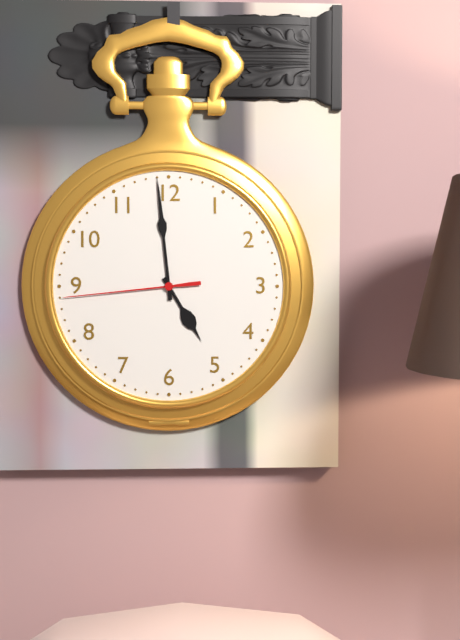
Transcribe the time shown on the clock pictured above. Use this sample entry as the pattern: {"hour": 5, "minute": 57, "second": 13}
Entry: {"hour": 4, "minute": 59, "second": 44}
